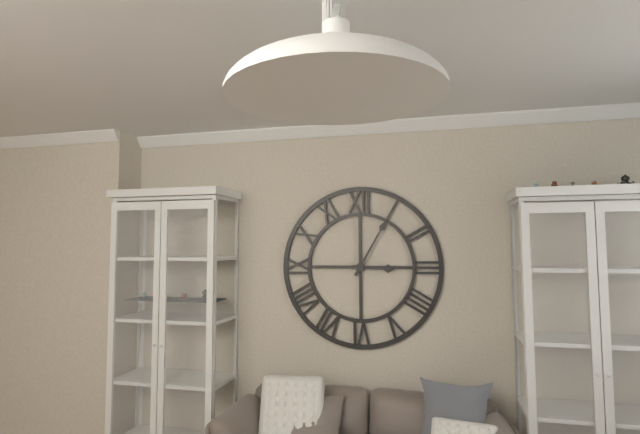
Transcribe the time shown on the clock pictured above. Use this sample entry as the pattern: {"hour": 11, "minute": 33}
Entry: {"hour": 3, "minute": 5}
